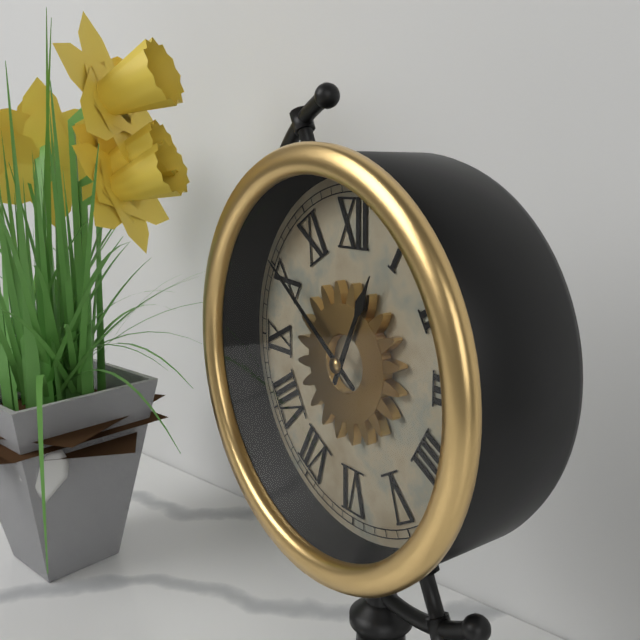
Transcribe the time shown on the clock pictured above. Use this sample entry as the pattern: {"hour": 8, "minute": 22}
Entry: {"hour": 12, "minute": 51}
